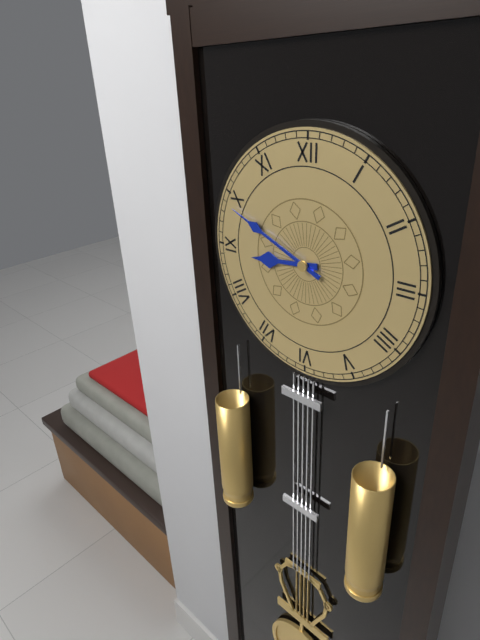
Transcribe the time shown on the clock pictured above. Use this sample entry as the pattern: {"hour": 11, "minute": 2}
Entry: {"hour": 8, "minute": 49}
